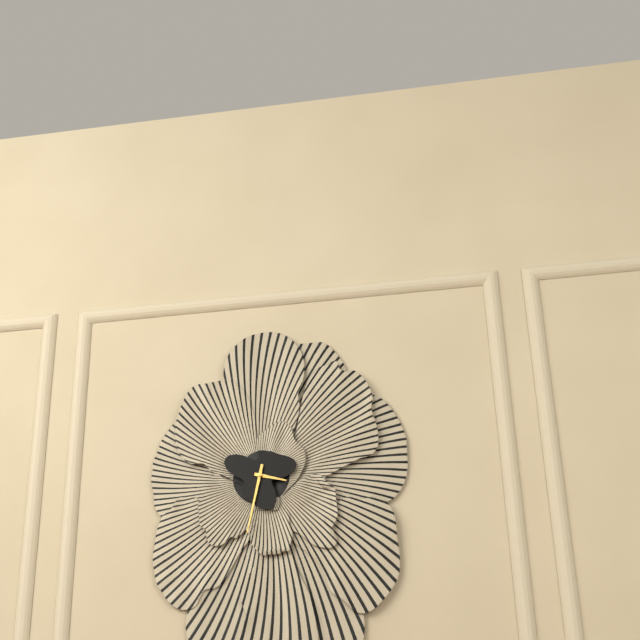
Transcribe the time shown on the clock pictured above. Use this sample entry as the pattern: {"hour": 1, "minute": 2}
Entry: {"hour": 3, "minute": 32}
